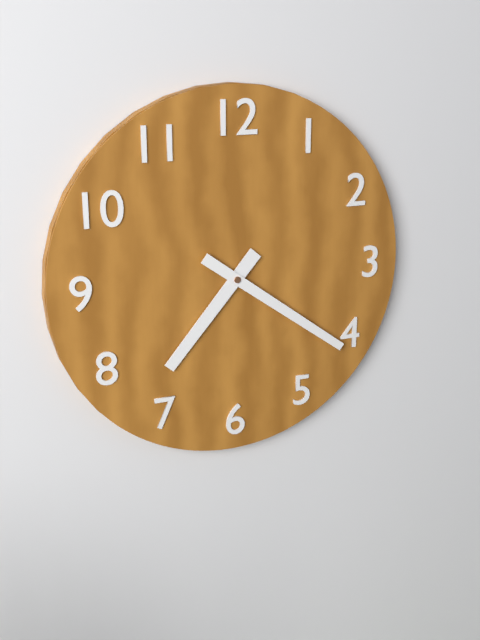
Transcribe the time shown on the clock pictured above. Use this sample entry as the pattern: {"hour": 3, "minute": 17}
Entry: {"hour": 7, "minute": 21}
